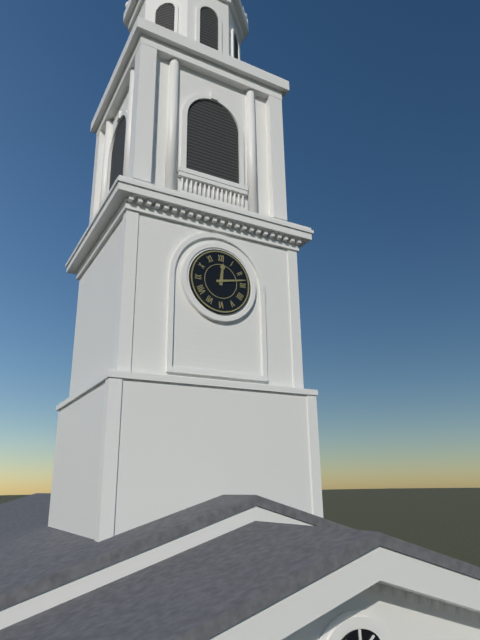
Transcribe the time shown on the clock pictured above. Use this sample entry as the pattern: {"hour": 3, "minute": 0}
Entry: {"hour": 12, "minute": 13}
